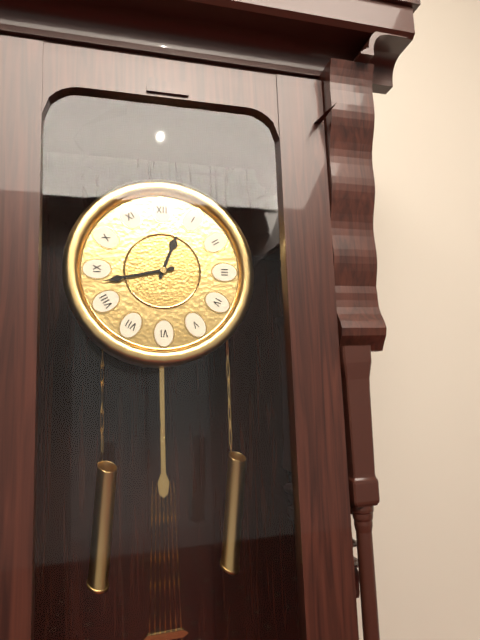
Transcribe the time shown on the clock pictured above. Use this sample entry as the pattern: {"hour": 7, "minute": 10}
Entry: {"hour": 12, "minute": 43}
